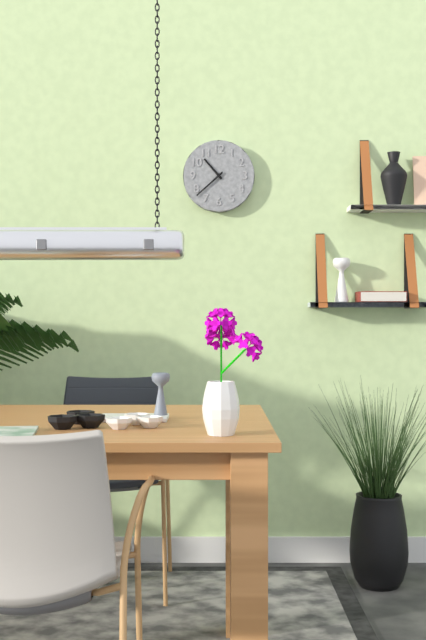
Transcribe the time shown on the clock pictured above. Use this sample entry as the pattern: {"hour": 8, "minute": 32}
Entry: {"hour": 10, "minute": 38}
